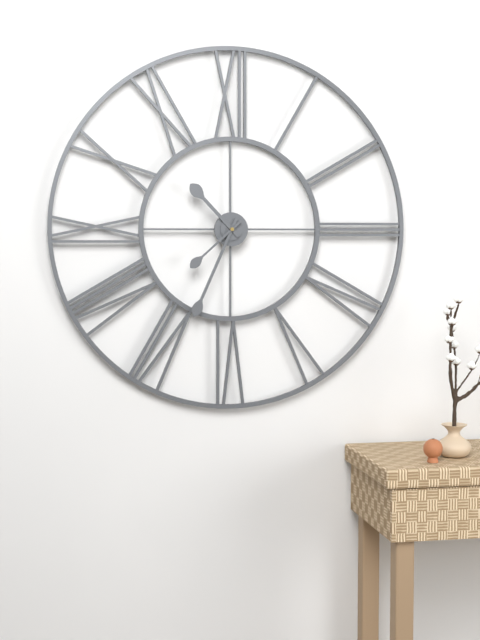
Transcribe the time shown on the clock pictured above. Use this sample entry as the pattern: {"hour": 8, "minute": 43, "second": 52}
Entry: {"hour": 10, "minute": 34, "second": 38}
